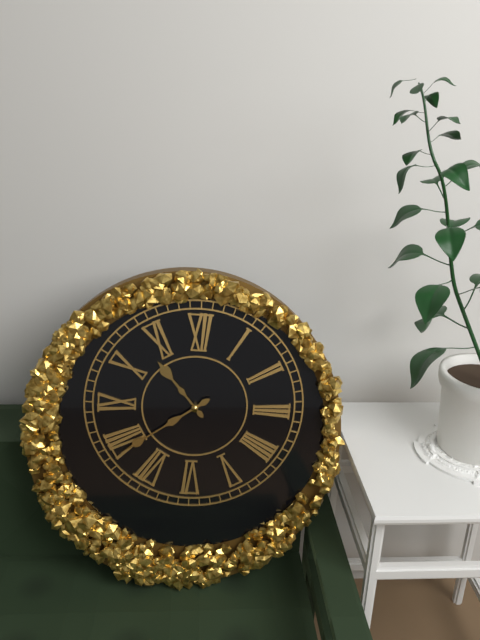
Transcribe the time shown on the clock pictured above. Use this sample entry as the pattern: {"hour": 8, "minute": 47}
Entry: {"hour": 10, "minute": 39}
